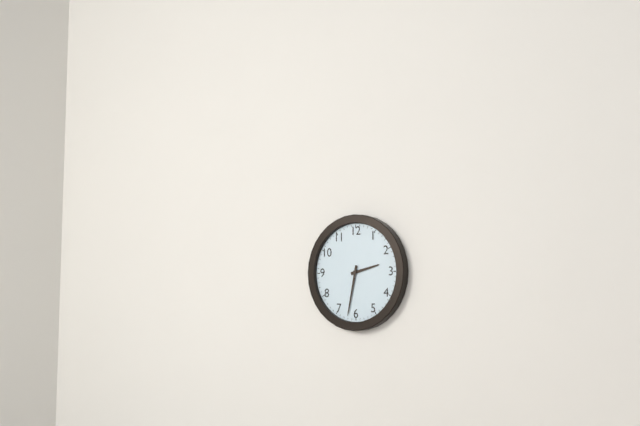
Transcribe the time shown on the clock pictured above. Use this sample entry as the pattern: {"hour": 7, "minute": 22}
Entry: {"hour": 2, "minute": 32}
